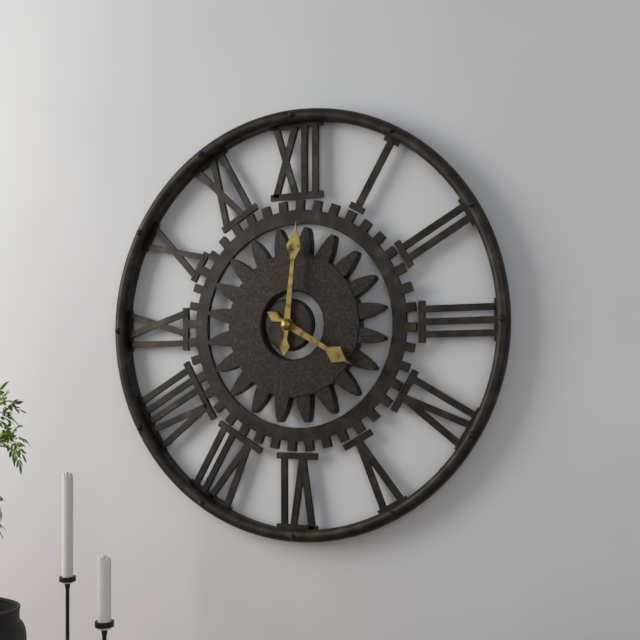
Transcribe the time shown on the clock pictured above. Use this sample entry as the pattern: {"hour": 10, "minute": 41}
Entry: {"hour": 4, "minute": 1}
